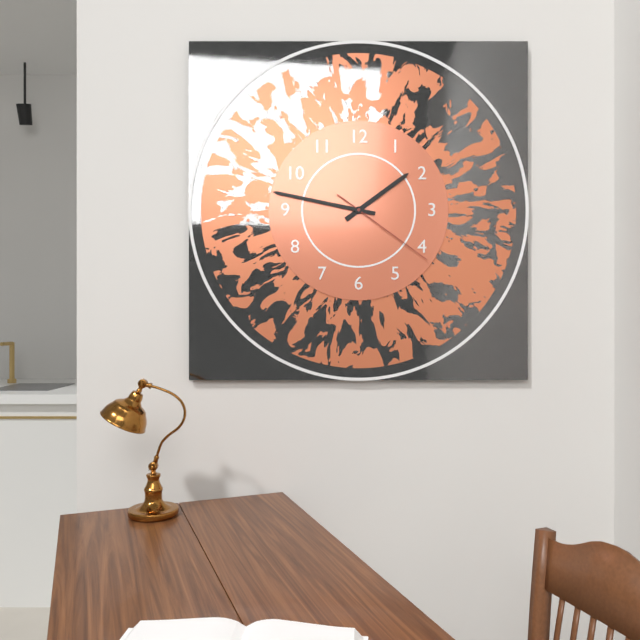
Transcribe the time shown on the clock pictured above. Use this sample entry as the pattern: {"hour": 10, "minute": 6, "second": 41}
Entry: {"hour": 1, "minute": 47, "second": 21}
